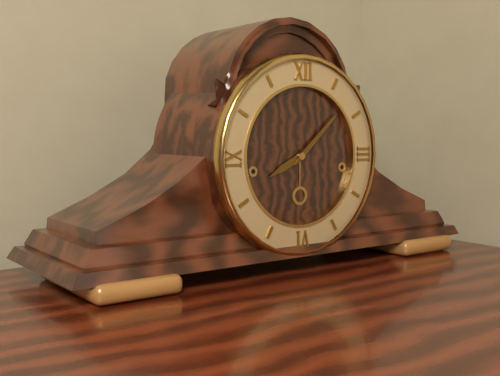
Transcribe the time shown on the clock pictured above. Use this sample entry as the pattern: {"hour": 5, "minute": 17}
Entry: {"hour": 8, "minute": 8}
